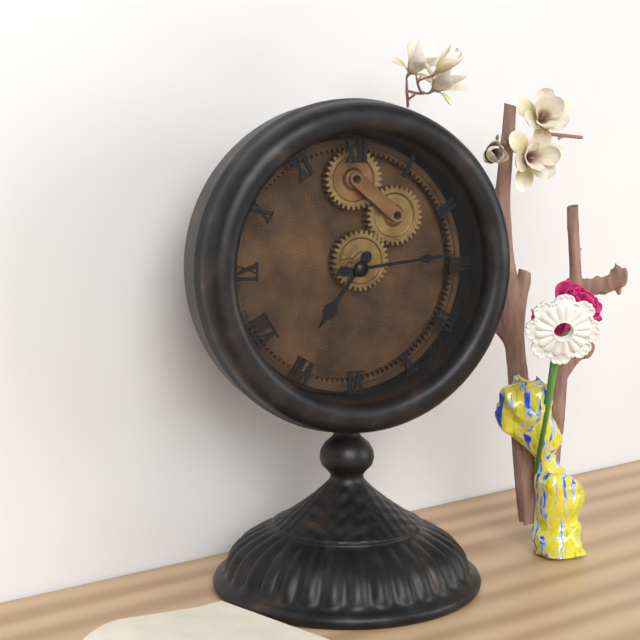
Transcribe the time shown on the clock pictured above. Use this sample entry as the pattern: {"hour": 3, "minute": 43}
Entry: {"hour": 7, "minute": 14}
